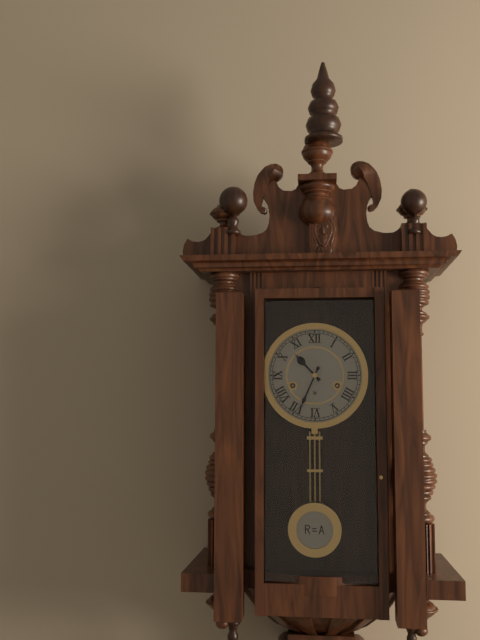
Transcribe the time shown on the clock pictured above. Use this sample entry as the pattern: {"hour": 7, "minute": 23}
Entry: {"hour": 10, "minute": 34}
